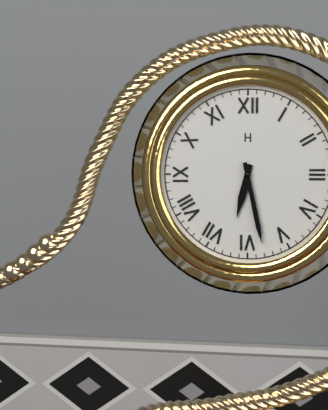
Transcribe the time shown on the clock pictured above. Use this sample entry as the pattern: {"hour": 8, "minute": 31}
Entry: {"hour": 6, "minute": 28}
